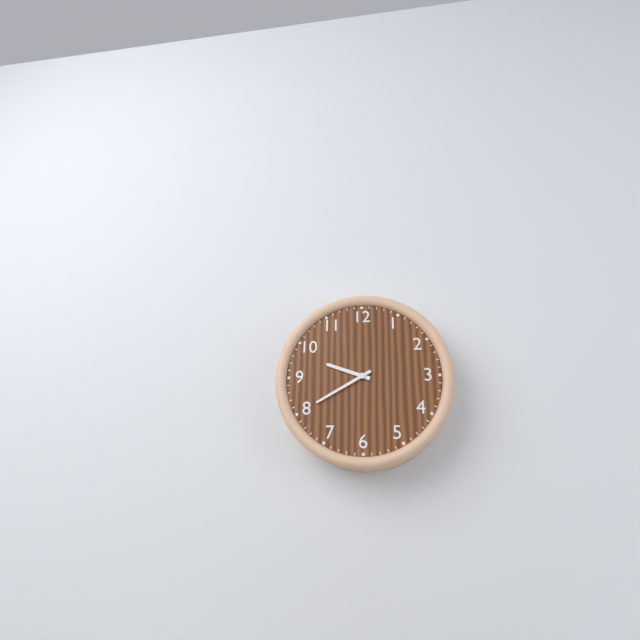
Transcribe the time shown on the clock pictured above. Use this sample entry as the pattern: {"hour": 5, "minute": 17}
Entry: {"hour": 9, "minute": 40}
